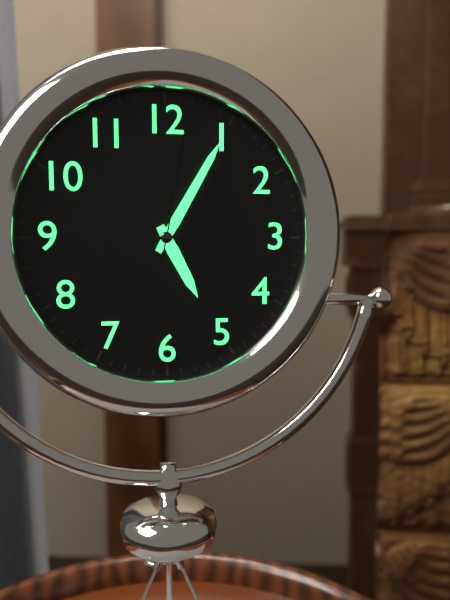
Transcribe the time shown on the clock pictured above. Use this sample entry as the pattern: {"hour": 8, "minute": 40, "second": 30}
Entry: {"hour": 5, "minute": 5, "second": 2}
